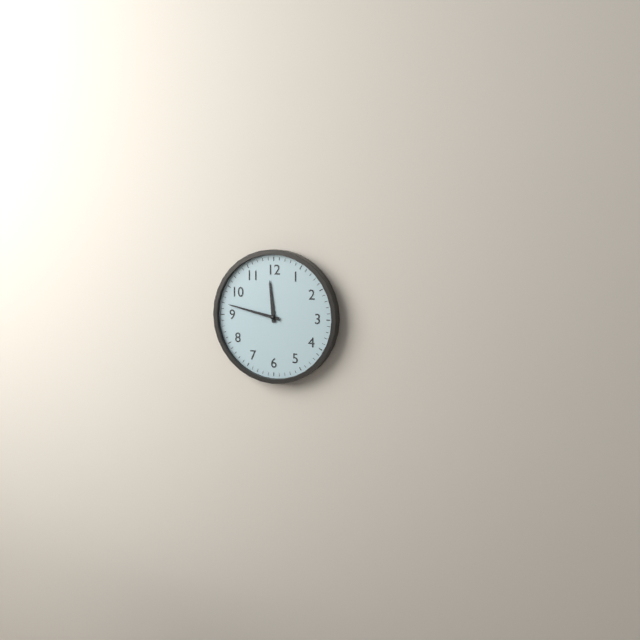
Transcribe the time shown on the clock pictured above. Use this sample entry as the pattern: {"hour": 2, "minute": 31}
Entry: {"hour": 11, "minute": 47}
